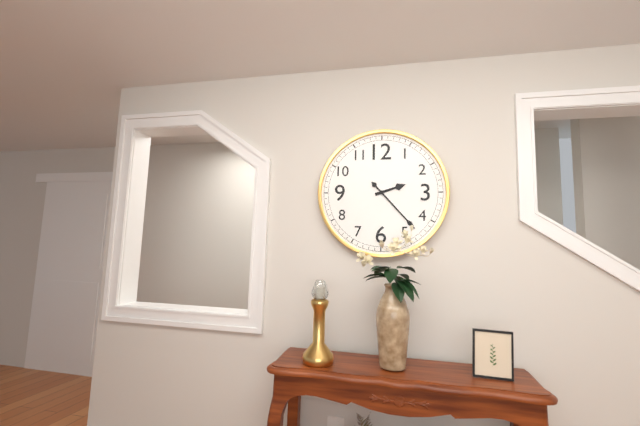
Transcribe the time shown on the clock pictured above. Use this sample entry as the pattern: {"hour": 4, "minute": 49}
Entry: {"hour": 2, "minute": 23}
